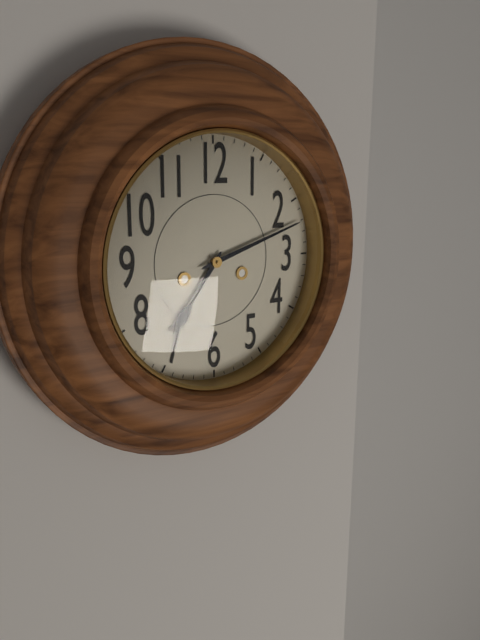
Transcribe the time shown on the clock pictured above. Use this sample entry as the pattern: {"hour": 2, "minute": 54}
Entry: {"hour": 7, "minute": 12}
